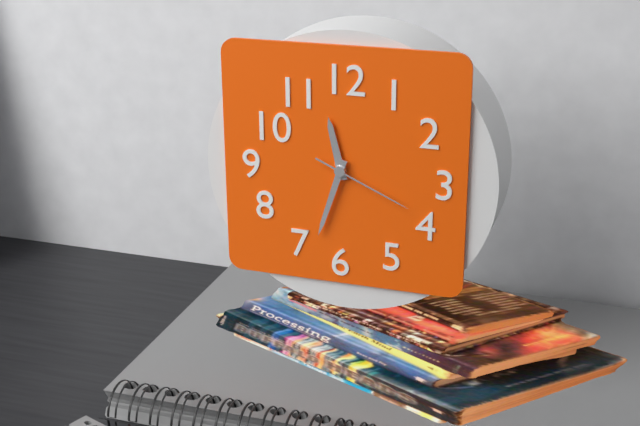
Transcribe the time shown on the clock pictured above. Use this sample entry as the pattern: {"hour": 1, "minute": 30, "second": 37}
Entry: {"hour": 11, "minute": 33, "second": 19}
